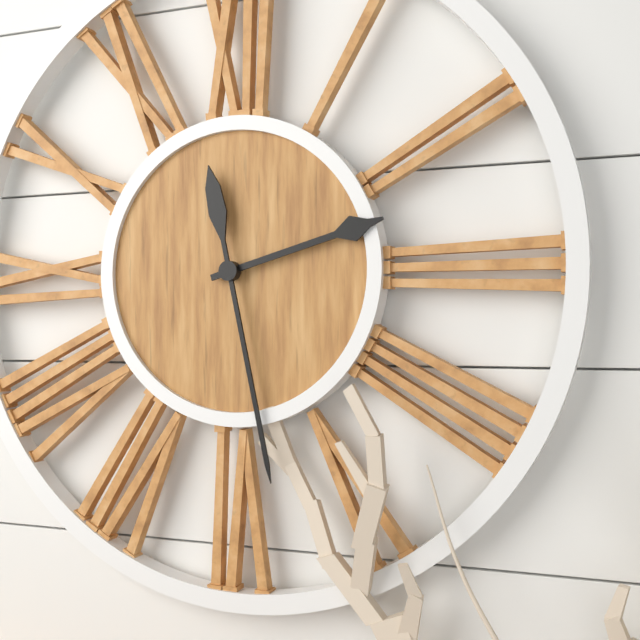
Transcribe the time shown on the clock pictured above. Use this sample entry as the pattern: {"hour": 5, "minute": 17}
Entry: {"hour": 2, "minute": 28}
